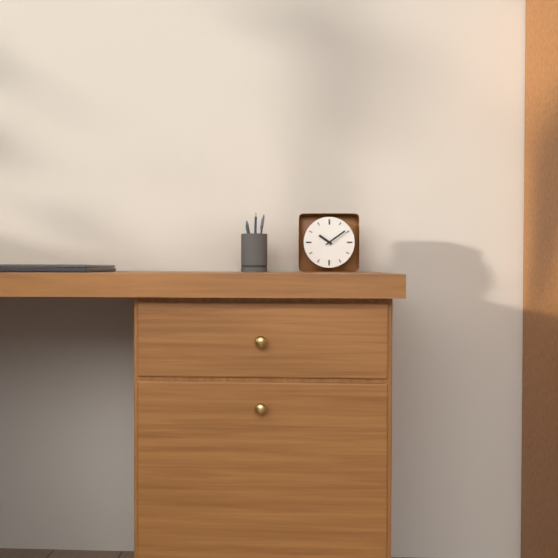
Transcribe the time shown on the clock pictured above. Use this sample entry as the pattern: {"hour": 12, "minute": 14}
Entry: {"hour": 10, "minute": 9}
